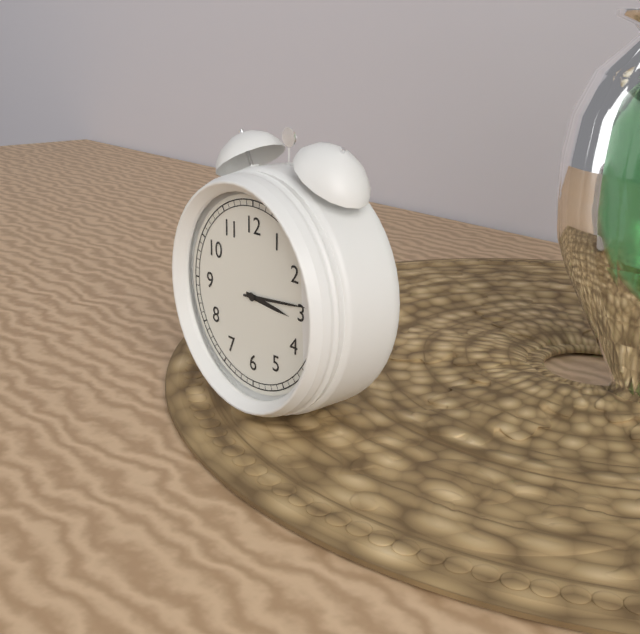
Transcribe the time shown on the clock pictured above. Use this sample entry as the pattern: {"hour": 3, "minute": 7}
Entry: {"hour": 3, "minute": 14}
